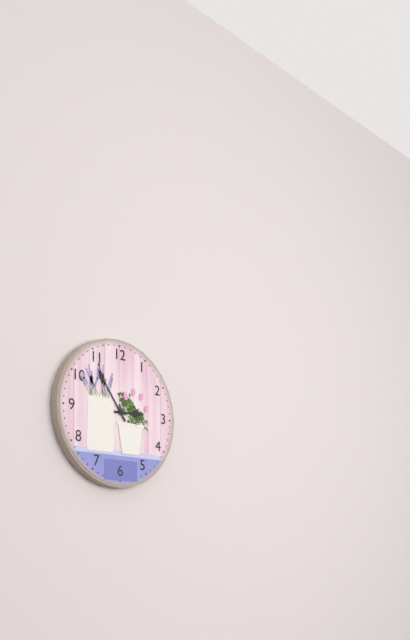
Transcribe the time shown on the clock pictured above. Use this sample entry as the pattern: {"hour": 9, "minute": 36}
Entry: {"hour": 2, "minute": 54}
